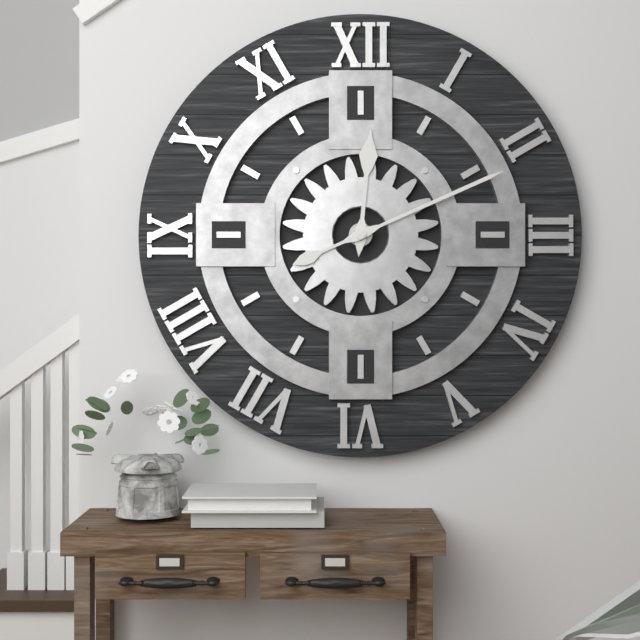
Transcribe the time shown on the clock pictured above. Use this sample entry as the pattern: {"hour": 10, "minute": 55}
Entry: {"hour": 12, "minute": 11}
